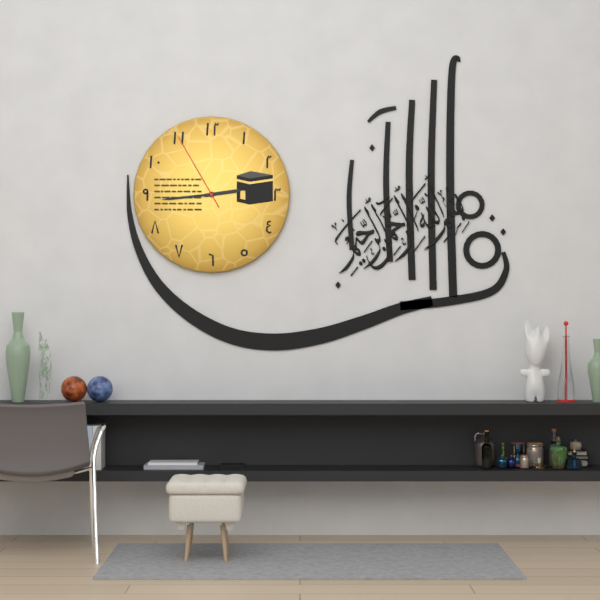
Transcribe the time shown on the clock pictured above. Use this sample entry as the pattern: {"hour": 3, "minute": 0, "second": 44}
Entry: {"hour": 2, "minute": 44, "second": 55}
